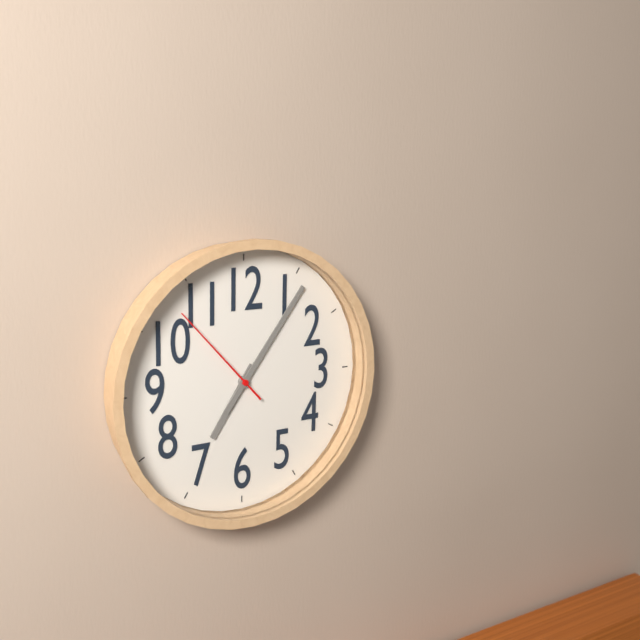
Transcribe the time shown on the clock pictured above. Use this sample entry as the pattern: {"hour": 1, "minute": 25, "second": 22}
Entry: {"hour": 7, "minute": 6, "second": 53}
